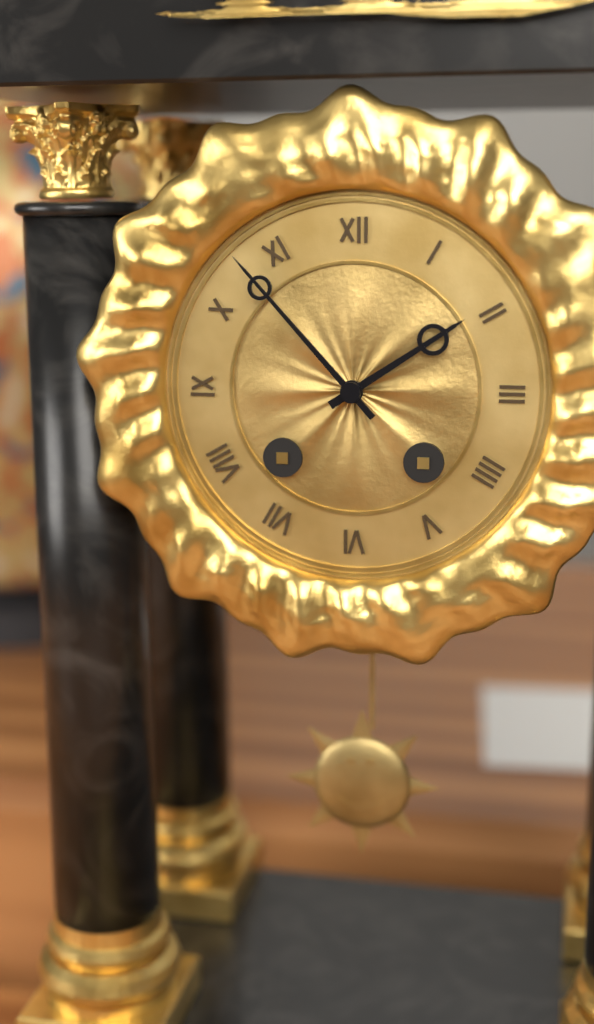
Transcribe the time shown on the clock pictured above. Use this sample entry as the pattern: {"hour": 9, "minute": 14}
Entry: {"hour": 1, "minute": 53}
